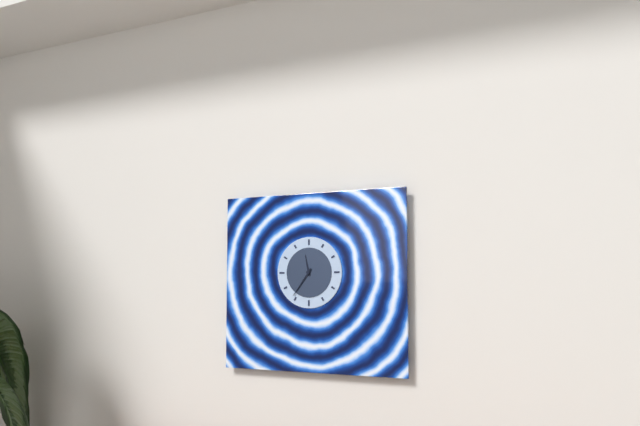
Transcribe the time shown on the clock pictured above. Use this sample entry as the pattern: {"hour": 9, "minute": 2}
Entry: {"hour": 11, "minute": 36}
